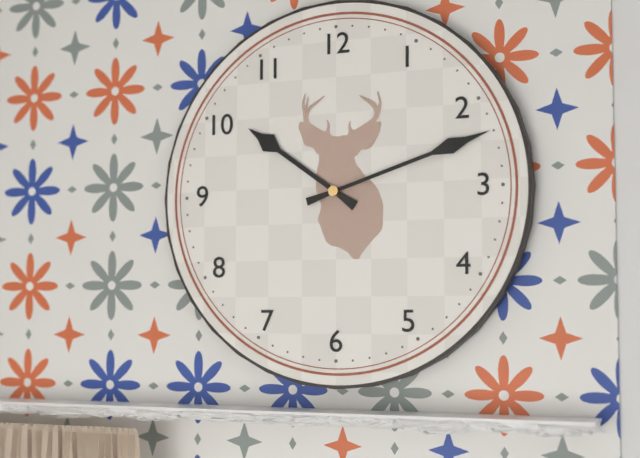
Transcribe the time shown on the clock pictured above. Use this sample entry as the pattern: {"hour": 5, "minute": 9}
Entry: {"hour": 10, "minute": 12}
